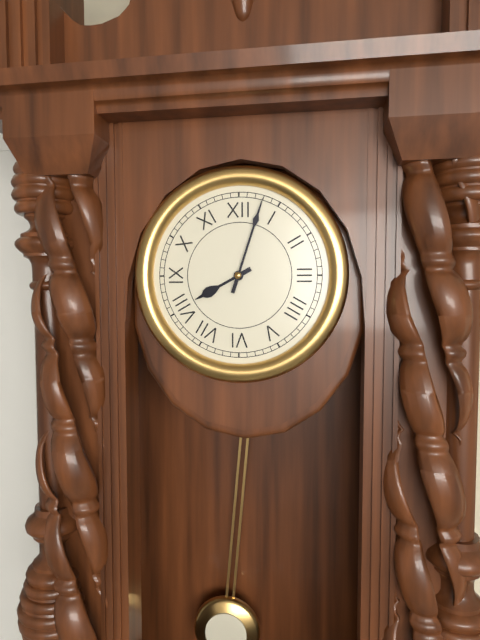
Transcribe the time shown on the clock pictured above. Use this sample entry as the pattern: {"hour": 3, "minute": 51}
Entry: {"hour": 8, "minute": 3}
